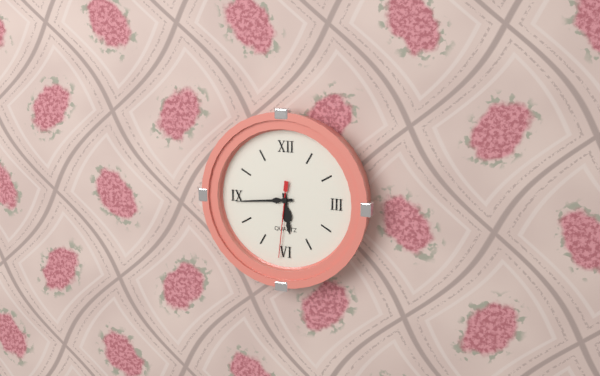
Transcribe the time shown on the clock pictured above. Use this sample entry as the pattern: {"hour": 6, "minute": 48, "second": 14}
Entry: {"hour": 5, "minute": 44, "second": 31}
